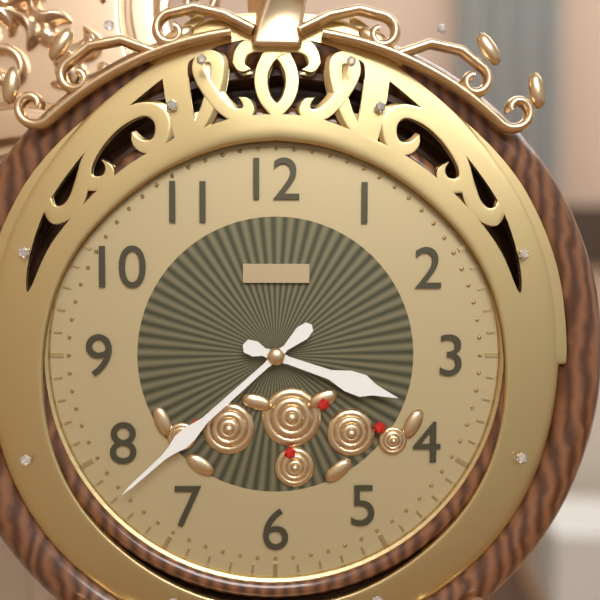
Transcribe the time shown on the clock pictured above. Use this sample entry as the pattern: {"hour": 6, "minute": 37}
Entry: {"hour": 3, "minute": 38}
